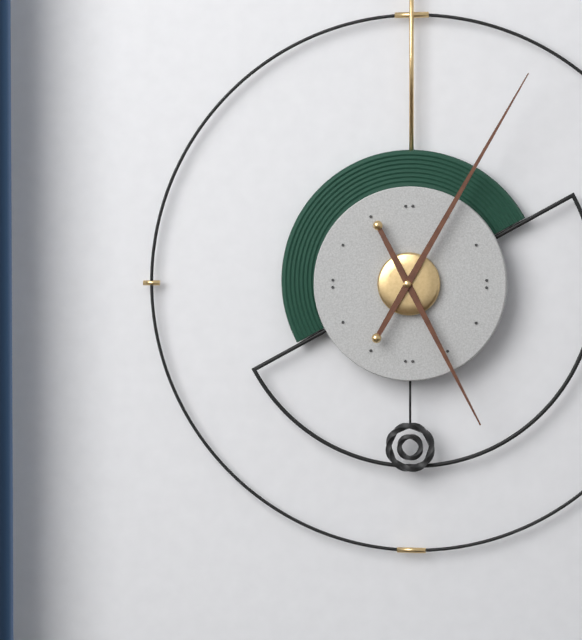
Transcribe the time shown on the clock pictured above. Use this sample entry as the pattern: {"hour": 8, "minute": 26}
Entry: {"hour": 5, "minute": 5}
